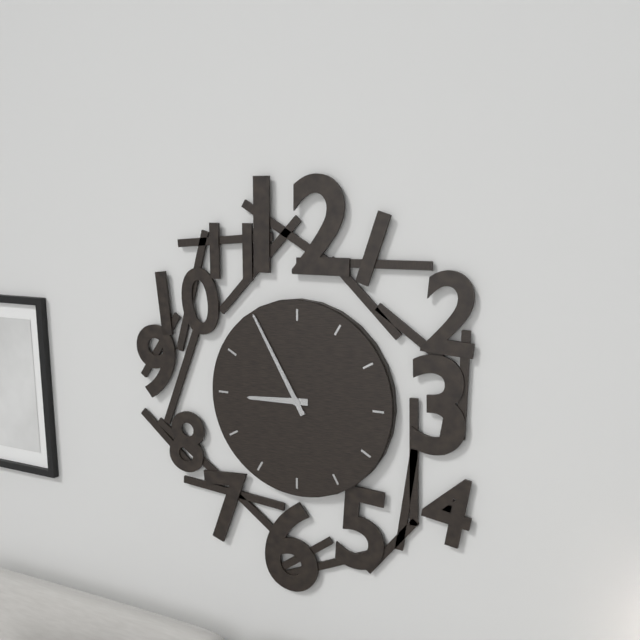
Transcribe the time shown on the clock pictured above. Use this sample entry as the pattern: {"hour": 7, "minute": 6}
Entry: {"hour": 8, "minute": 55}
